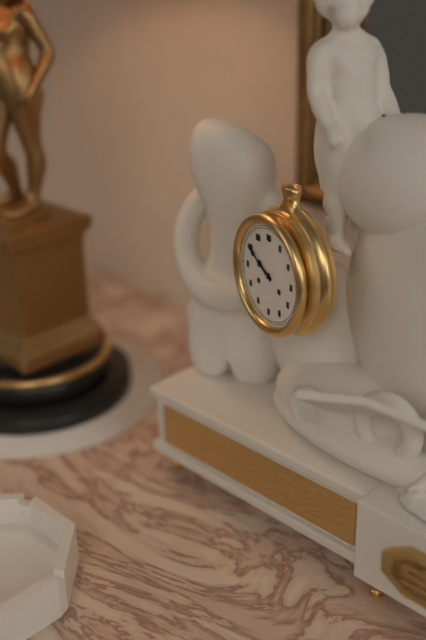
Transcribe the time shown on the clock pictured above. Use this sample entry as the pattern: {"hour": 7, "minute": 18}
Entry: {"hour": 9, "minute": 50}
